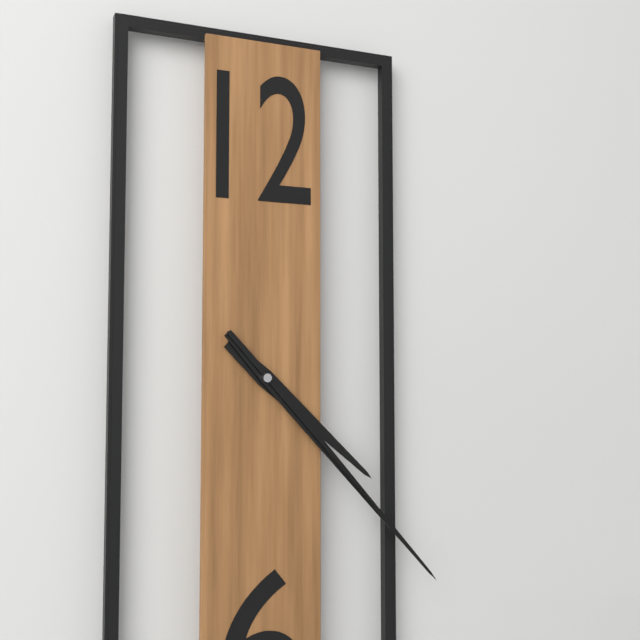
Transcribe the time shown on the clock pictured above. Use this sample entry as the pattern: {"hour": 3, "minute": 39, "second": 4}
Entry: {"hour": 4, "minute": 23, "second": 23}
